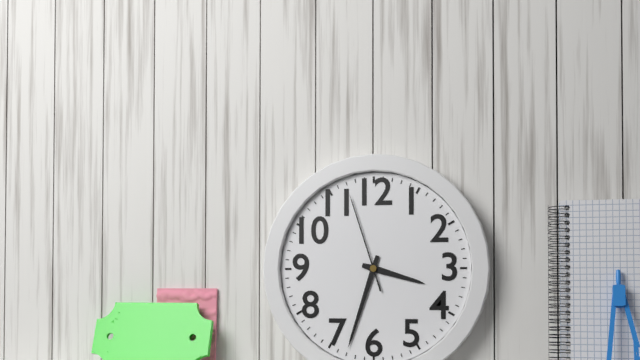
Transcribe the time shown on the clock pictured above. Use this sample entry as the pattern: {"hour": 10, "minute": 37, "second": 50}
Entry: {"hour": 3, "minute": 33, "second": 57}
